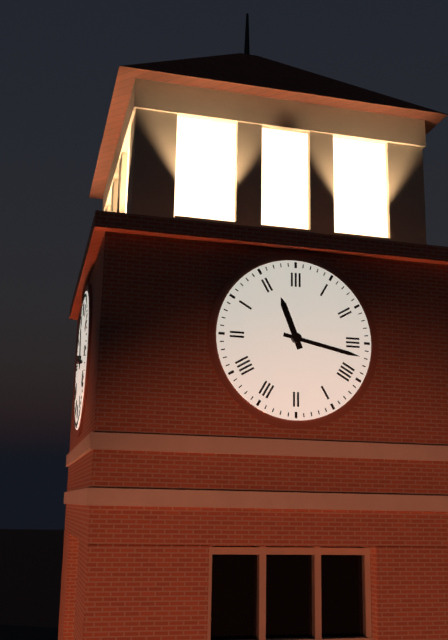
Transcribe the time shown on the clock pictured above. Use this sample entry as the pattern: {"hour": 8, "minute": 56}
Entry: {"hour": 11, "minute": 17}
